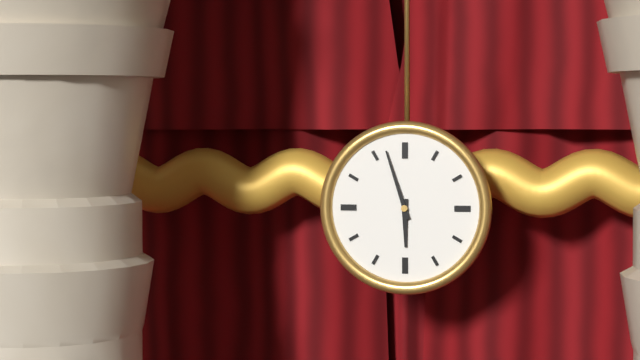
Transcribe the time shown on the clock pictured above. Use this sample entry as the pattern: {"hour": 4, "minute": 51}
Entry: {"hour": 5, "minute": 57}
